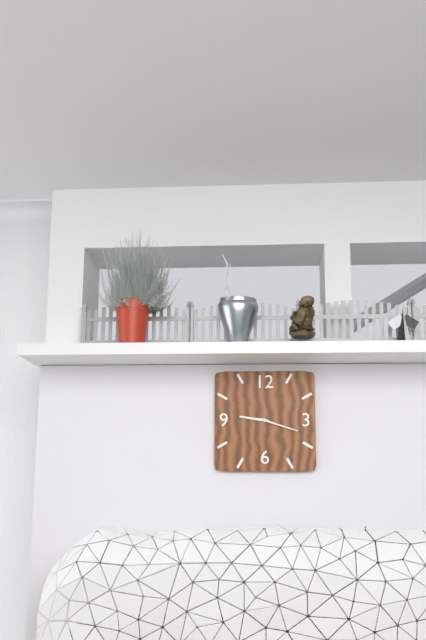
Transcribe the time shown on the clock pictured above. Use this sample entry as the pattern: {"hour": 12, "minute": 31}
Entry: {"hour": 9, "minute": 18}
